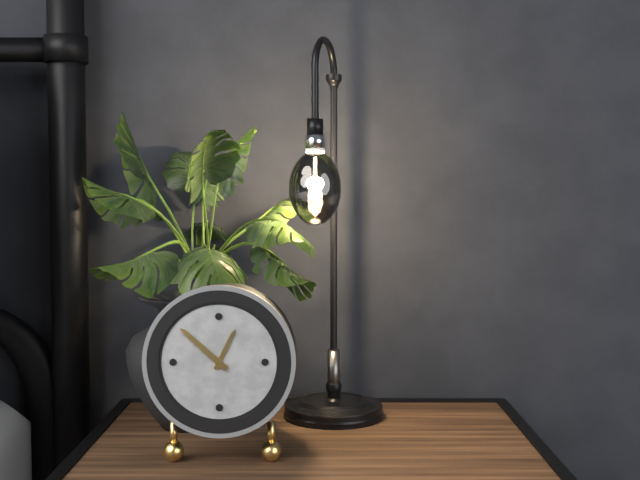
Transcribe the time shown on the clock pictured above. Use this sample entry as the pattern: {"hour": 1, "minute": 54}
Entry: {"hour": 12, "minute": 52}
